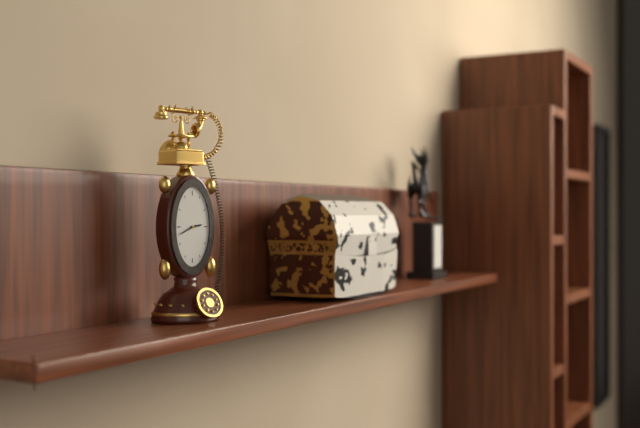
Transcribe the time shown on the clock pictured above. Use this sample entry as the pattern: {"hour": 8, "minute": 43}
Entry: {"hour": 2, "minute": 41}
